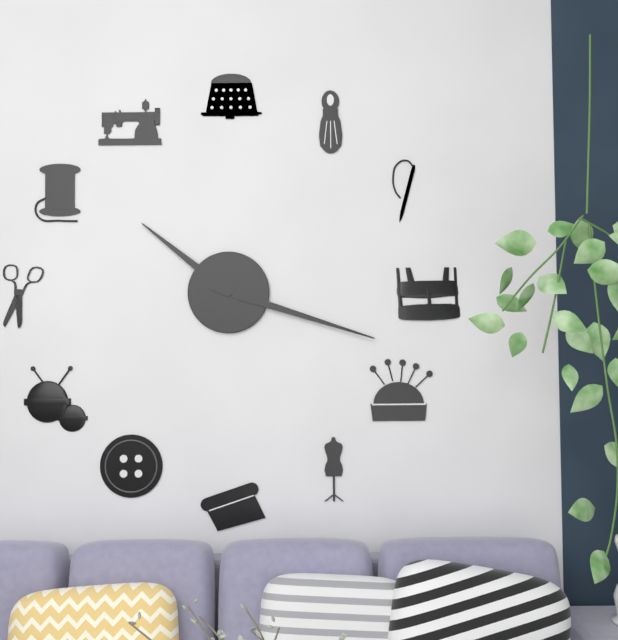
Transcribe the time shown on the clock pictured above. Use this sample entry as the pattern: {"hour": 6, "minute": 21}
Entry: {"hour": 10, "minute": 18}
